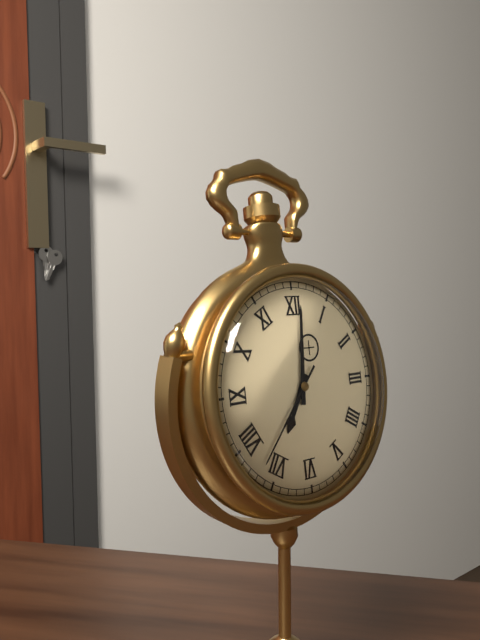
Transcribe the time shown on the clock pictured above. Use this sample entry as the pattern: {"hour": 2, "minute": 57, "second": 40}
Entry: {"hour": 7, "minute": 1, "second": 37}
